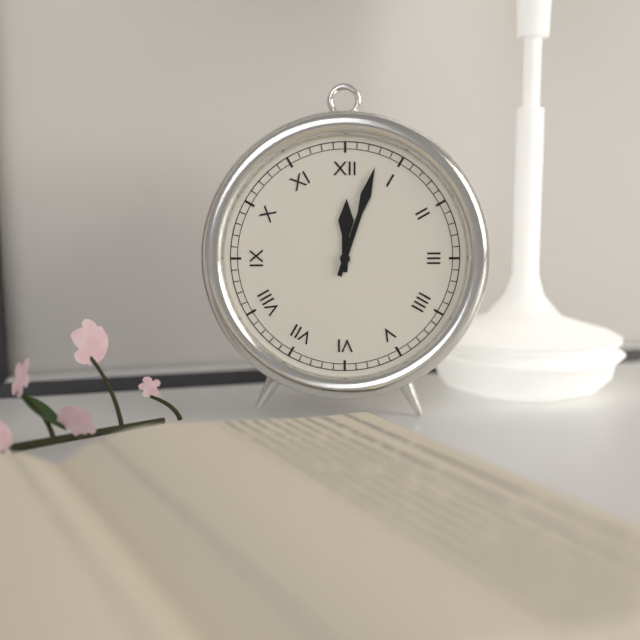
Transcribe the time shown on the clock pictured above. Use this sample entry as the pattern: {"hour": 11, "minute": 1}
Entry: {"hour": 12, "minute": 3}
